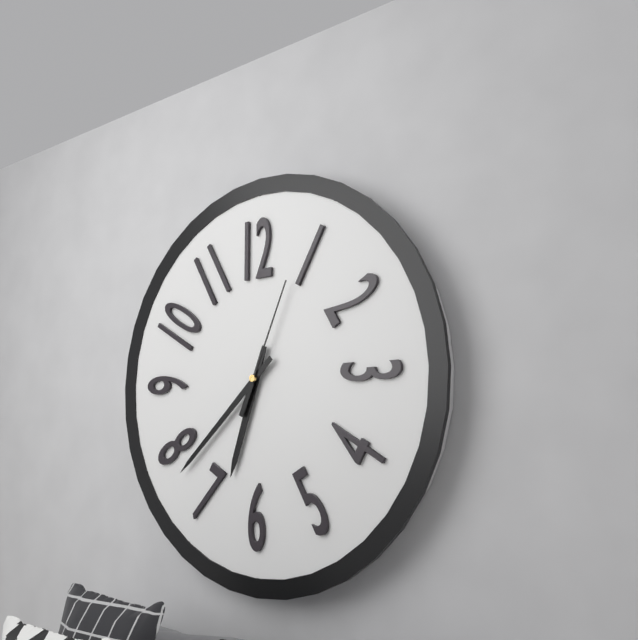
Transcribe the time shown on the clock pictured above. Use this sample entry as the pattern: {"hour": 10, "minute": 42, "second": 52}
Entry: {"hour": 6, "minute": 38, "second": 4}
